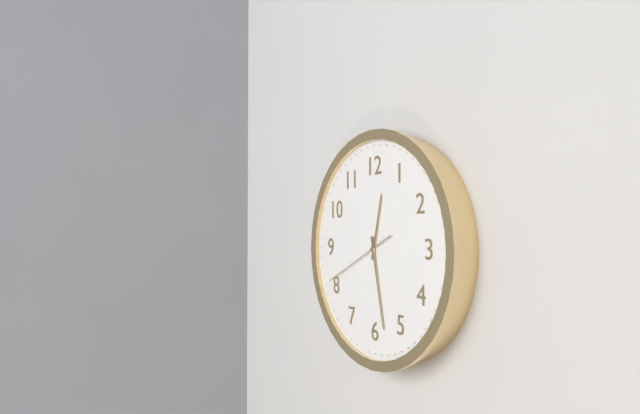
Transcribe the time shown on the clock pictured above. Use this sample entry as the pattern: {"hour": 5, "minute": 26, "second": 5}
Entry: {"hour": 12, "minute": 28, "second": 41}
